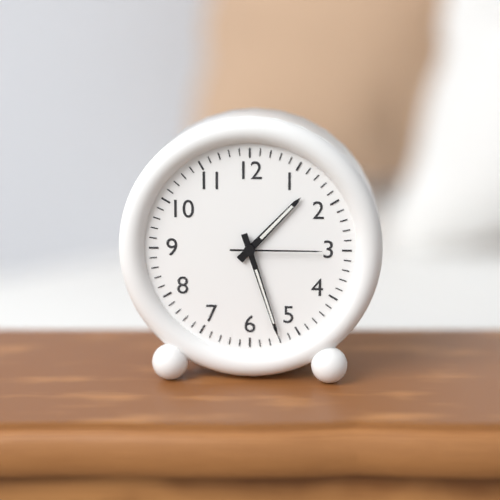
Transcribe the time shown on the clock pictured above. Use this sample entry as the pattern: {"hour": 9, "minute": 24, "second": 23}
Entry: {"hour": 1, "minute": 27, "second": 15}
